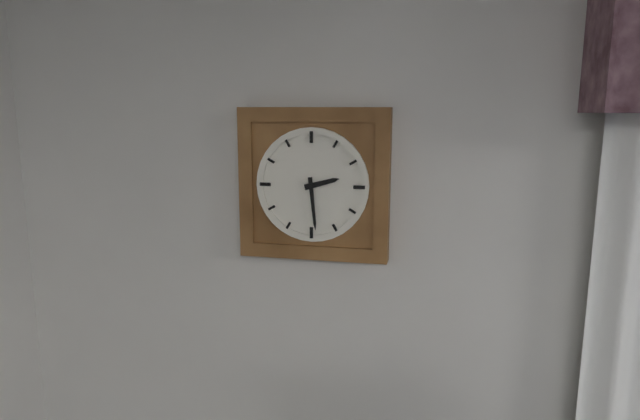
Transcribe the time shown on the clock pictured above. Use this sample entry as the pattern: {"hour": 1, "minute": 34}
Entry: {"hour": 2, "minute": 29}
